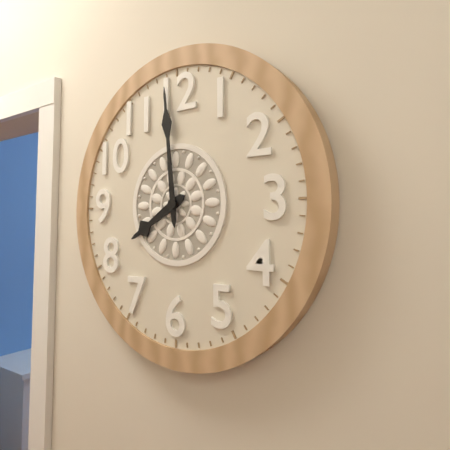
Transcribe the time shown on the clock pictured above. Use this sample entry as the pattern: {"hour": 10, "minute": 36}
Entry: {"hour": 7, "minute": 59}
